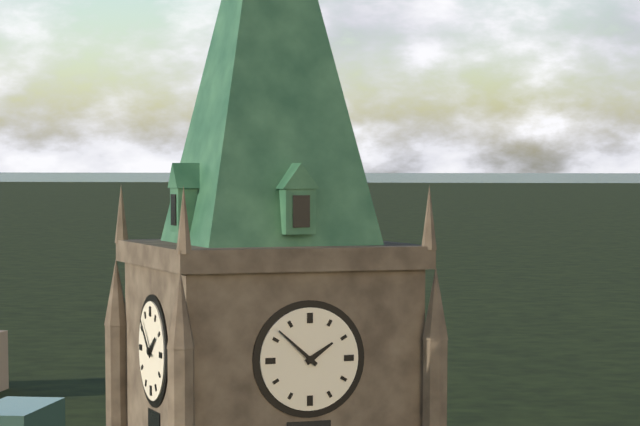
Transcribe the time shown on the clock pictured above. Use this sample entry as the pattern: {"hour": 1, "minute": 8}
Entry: {"hour": 1, "minute": 52}
